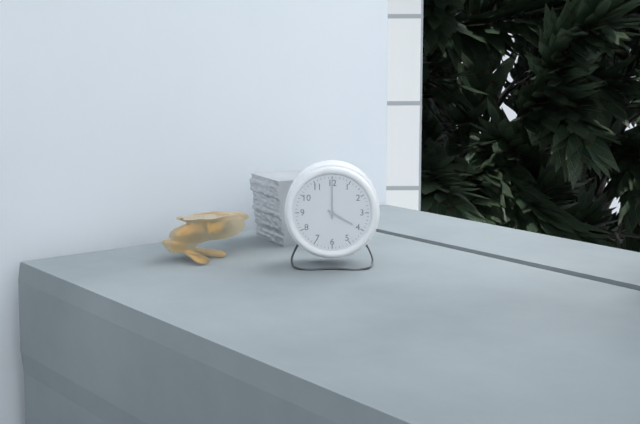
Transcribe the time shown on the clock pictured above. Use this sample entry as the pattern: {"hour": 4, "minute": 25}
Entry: {"hour": 4, "minute": 0}
